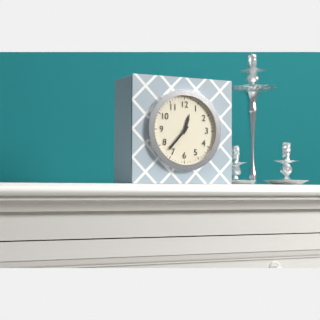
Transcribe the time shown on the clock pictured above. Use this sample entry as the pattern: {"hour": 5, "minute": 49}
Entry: {"hour": 12, "minute": 37}
